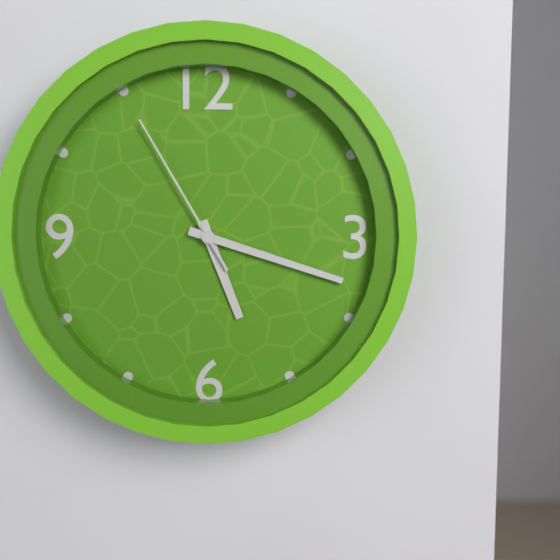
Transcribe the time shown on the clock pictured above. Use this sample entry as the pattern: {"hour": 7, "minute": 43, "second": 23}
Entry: {"hour": 5, "minute": 18, "second": 55}
